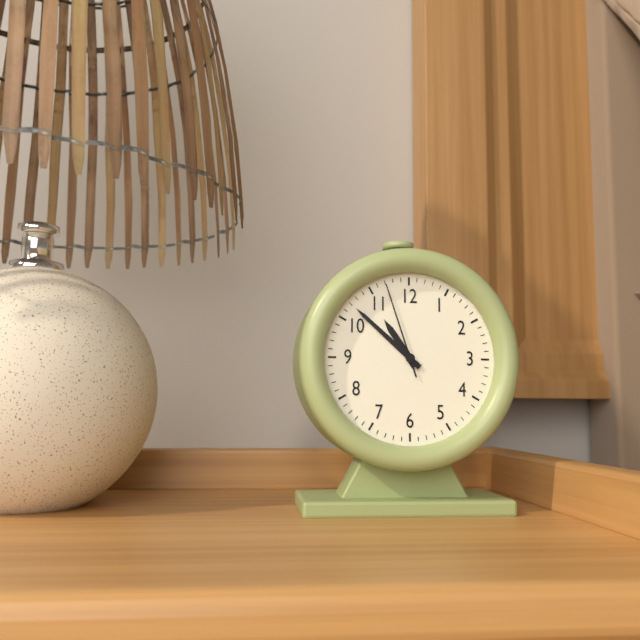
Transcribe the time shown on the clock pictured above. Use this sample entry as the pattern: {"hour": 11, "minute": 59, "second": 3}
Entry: {"hour": 10, "minute": 52, "second": 57}
